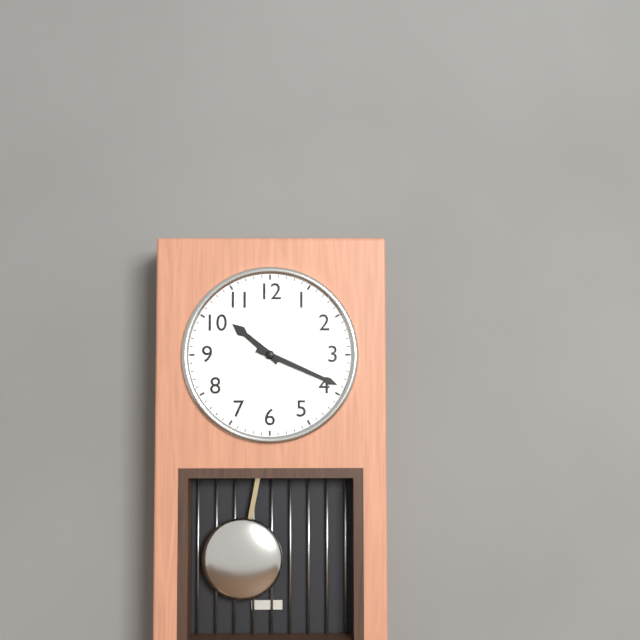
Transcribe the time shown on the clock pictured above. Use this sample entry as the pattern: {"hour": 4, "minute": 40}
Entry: {"hour": 10, "minute": 19}
